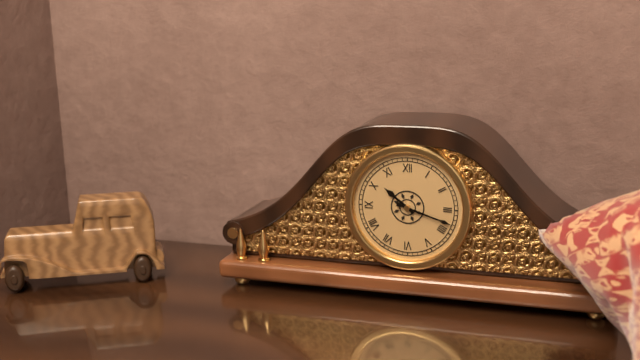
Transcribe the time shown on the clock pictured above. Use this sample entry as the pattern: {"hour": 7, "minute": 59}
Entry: {"hour": 10, "minute": 18}
